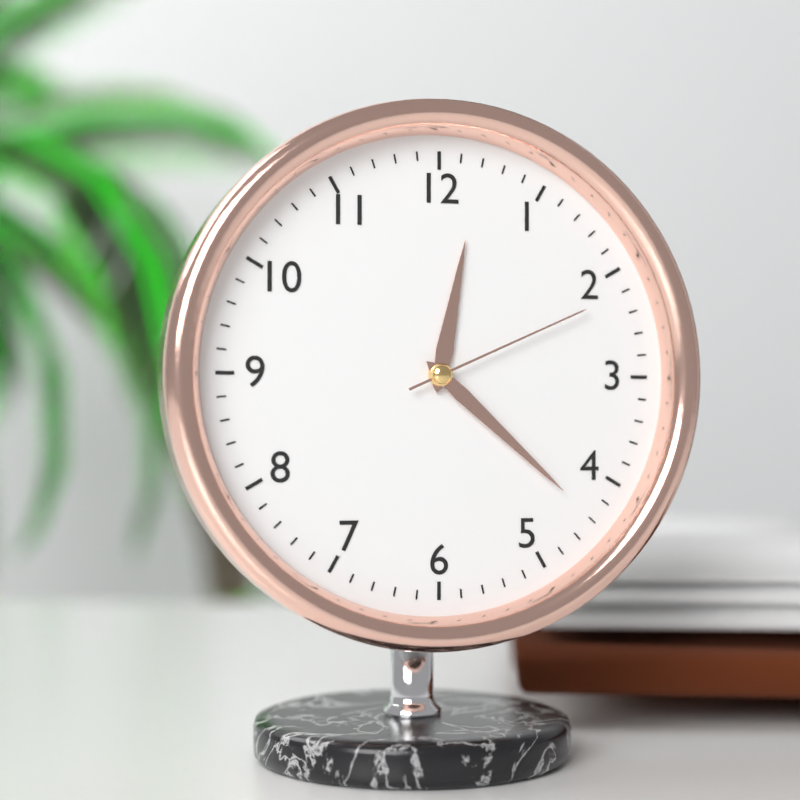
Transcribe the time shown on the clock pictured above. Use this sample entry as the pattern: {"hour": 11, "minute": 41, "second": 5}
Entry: {"hour": 12, "minute": 22, "second": 11}
